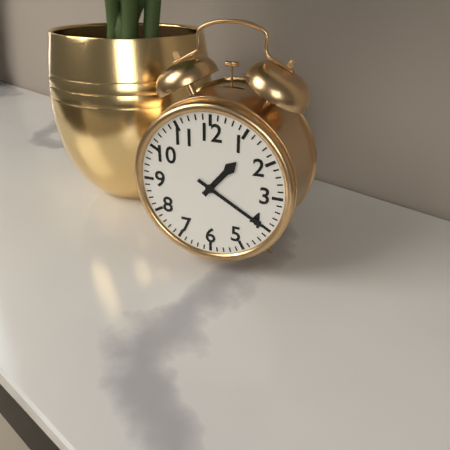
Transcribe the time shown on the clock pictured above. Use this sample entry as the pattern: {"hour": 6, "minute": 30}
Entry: {"hour": 1, "minute": 20}
